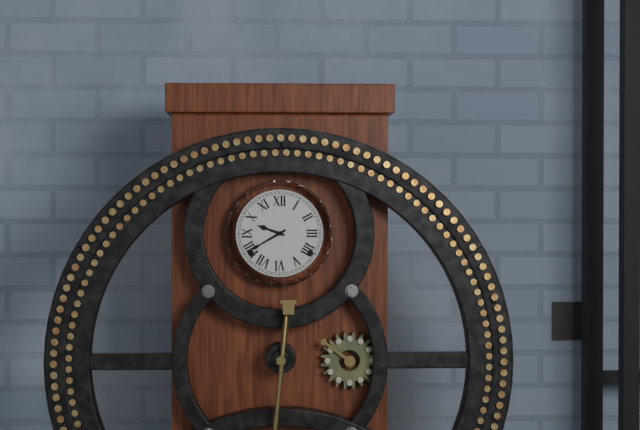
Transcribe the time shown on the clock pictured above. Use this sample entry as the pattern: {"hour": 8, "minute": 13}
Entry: {"hour": 9, "minute": 40}
